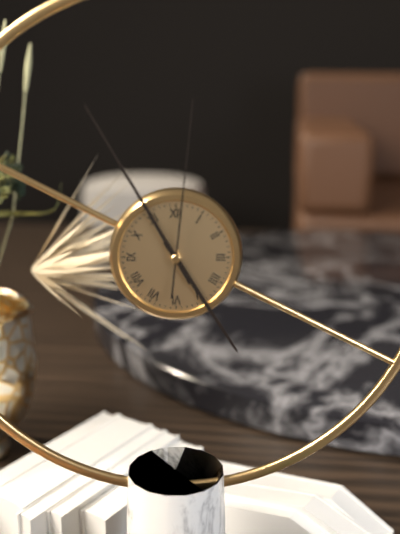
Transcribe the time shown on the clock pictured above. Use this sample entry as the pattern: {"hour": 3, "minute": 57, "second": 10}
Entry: {"hour": 4, "minute": 55, "second": 1}
